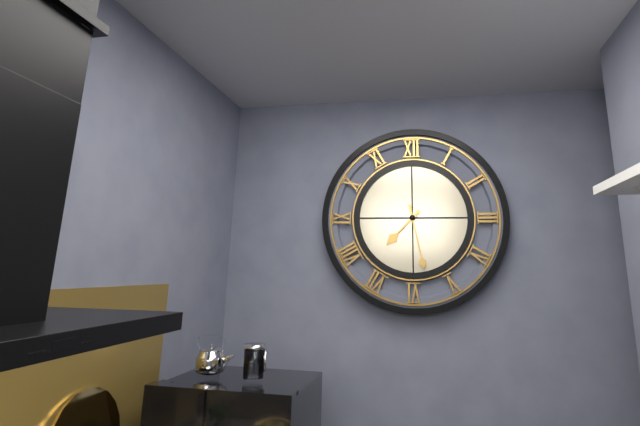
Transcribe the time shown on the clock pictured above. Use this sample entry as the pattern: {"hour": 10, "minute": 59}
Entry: {"hour": 7, "minute": 28}
